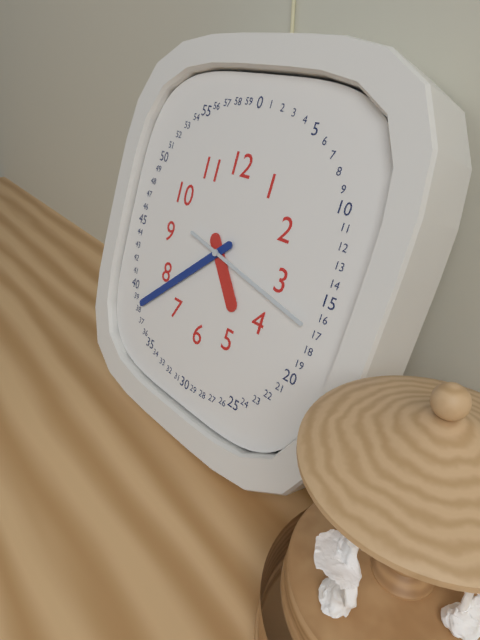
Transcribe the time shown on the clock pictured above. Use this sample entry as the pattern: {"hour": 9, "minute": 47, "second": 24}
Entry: {"hour": 4, "minute": 38, "second": 17}
